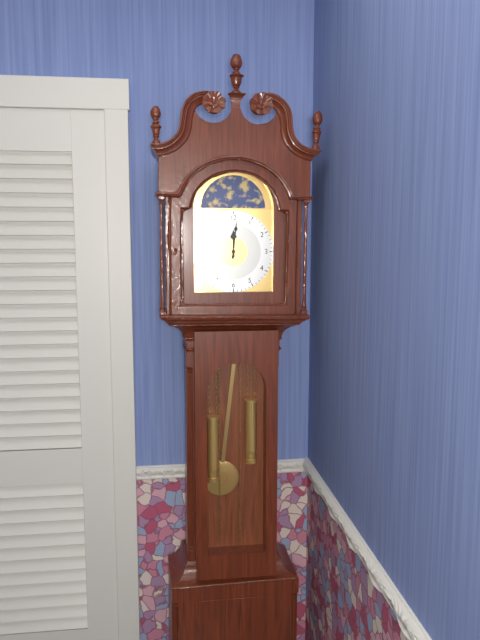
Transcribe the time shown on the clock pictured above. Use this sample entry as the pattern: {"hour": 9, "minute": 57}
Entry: {"hour": 12, "minute": 1}
